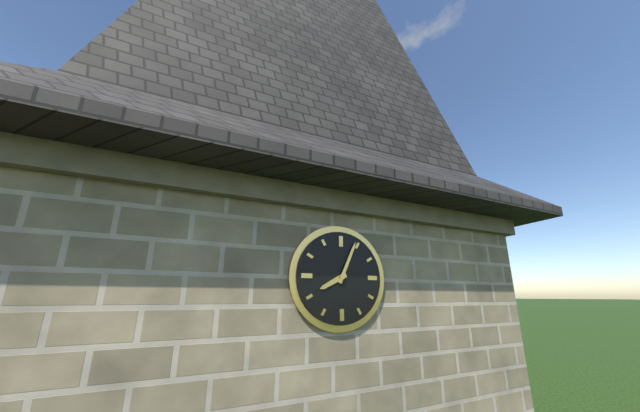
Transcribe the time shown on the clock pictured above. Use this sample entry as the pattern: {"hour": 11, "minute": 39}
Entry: {"hour": 8, "minute": 4}
